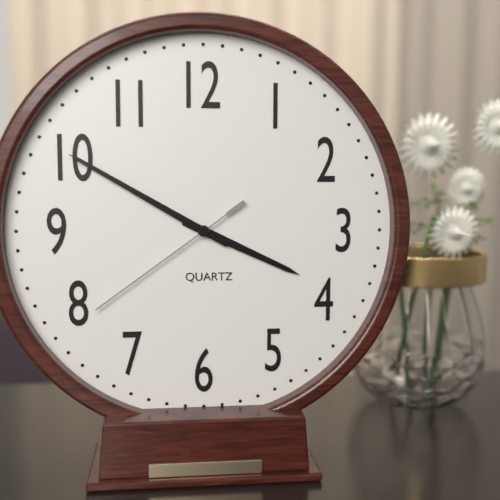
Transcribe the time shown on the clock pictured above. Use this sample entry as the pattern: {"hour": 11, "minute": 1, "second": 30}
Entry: {"hour": 3, "minute": 50, "second": 39}
